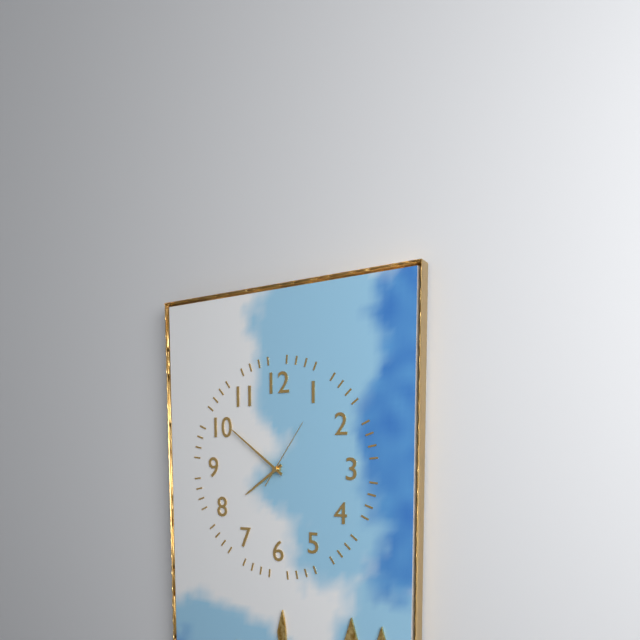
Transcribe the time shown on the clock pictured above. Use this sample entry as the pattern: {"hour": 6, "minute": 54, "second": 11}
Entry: {"hour": 7, "minute": 51, "second": 6}
